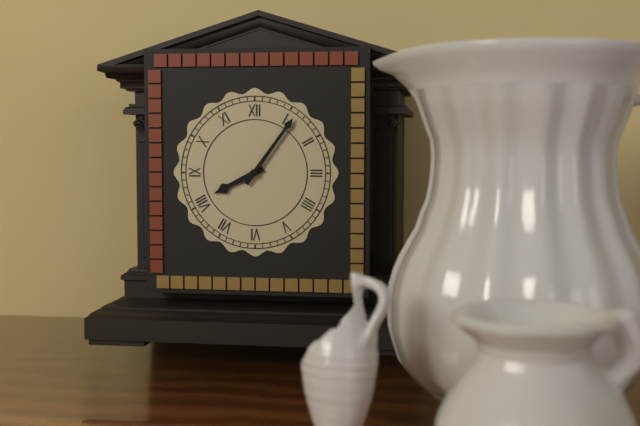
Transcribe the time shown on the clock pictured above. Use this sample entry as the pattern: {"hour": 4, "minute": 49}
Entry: {"hour": 8, "minute": 6}
